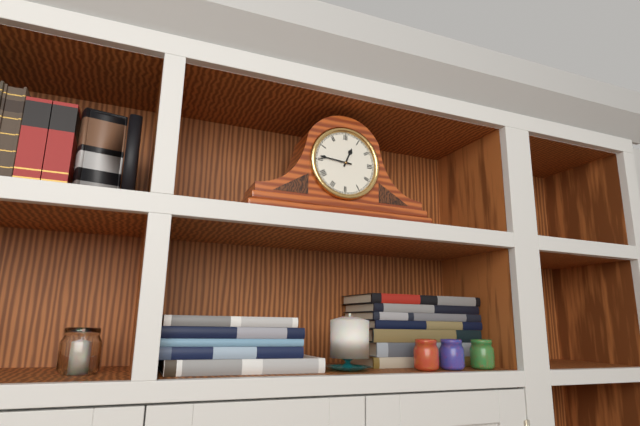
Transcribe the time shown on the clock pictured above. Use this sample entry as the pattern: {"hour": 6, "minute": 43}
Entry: {"hour": 12, "minute": 46}
